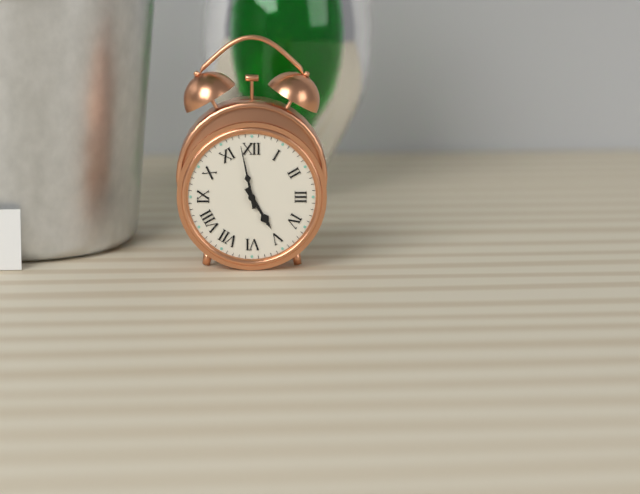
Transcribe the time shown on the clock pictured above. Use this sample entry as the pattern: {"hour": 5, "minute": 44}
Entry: {"hour": 4, "minute": 58}
